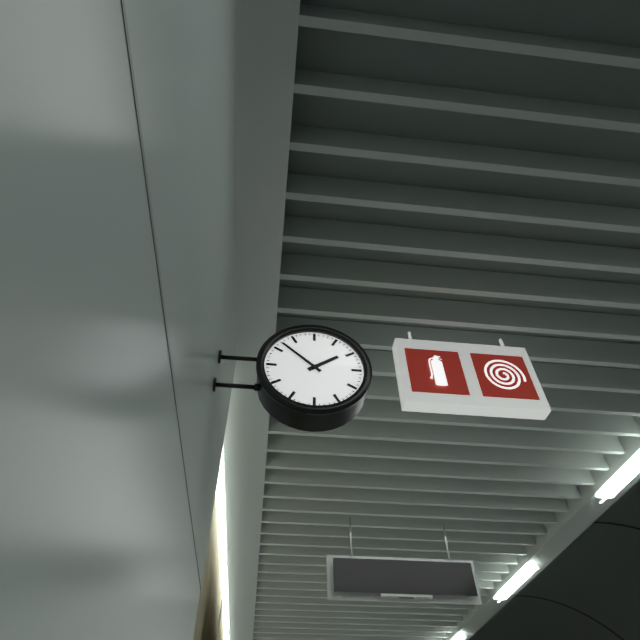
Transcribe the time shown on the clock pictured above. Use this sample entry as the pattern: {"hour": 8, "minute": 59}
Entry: {"hour": 1, "minute": 52}
